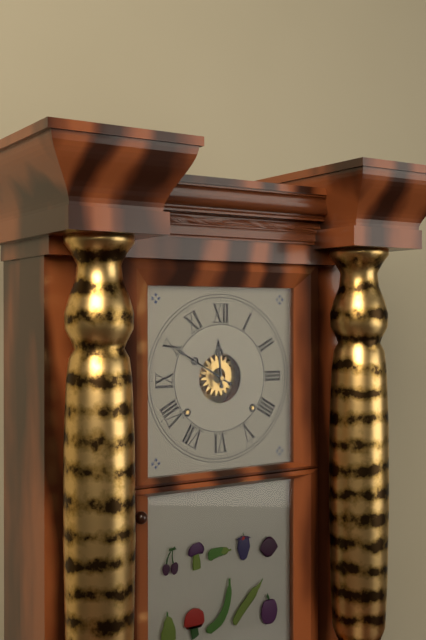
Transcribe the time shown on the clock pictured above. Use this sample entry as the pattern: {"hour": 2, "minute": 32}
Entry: {"hour": 11, "minute": 50}
